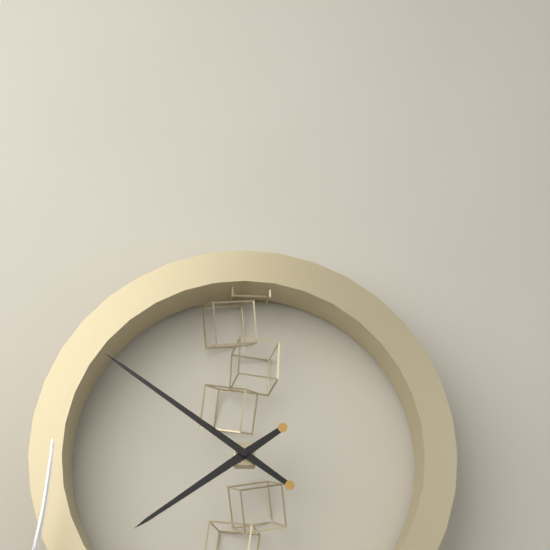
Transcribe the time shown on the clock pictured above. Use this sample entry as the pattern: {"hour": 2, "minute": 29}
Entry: {"hour": 7, "minute": 51}
